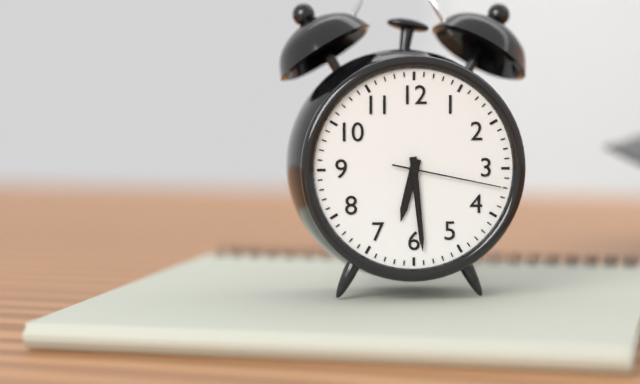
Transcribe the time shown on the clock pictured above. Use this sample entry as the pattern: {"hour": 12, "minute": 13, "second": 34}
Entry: {"hour": 6, "minute": 29, "second": 17}
